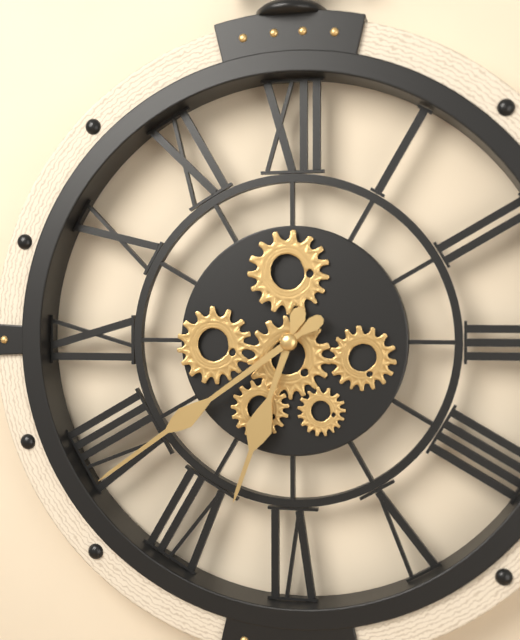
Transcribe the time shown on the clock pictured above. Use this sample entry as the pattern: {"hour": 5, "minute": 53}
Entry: {"hour": 6, "minute": 39}
